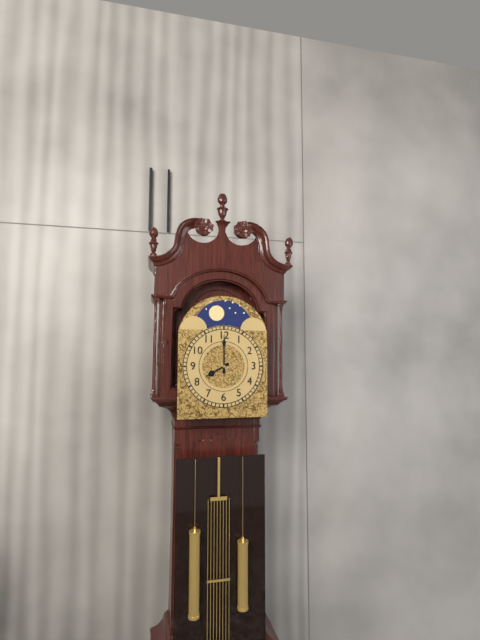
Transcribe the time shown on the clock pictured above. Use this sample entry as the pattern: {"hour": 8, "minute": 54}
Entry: {"hour": 8, "minute": 0}
